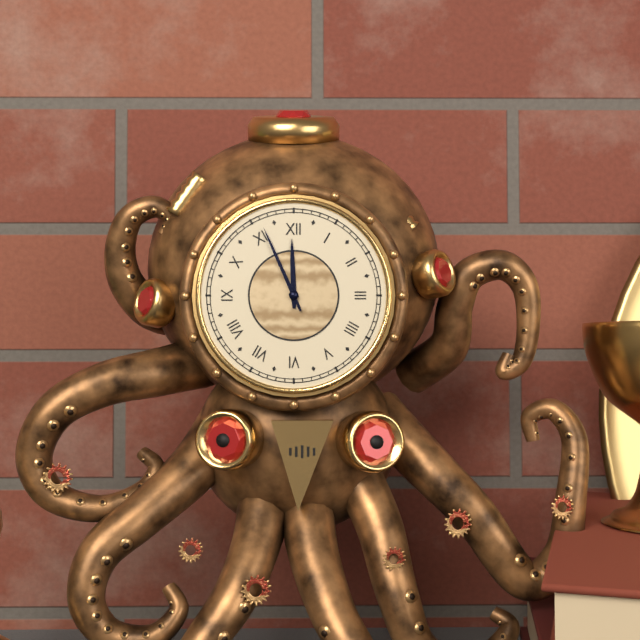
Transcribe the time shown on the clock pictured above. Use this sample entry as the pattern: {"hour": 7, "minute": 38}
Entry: {"hour": 11, "minute": 56}
